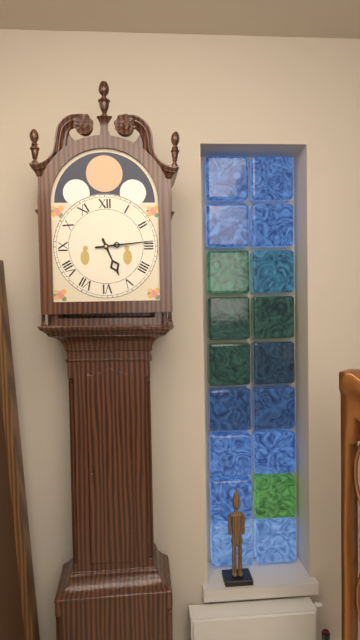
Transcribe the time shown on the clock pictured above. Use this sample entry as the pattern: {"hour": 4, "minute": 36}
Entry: {"hour": 5, "minute": 14}
